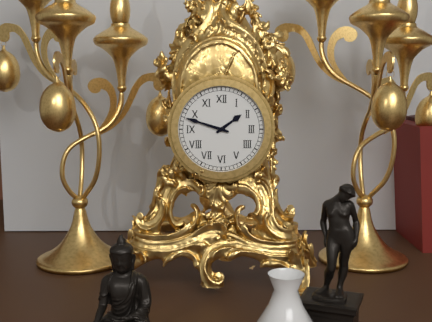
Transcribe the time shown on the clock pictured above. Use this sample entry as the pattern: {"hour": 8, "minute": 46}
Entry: {"hour": 1, "minute": 48}
